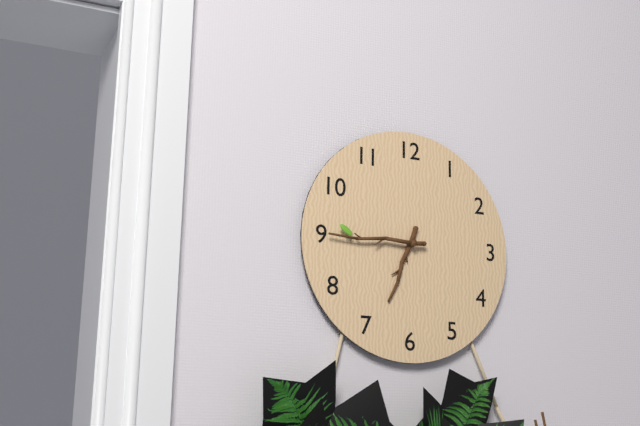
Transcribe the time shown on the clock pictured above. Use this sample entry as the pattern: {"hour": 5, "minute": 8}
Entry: {"hour": 6, "minute": 45}
